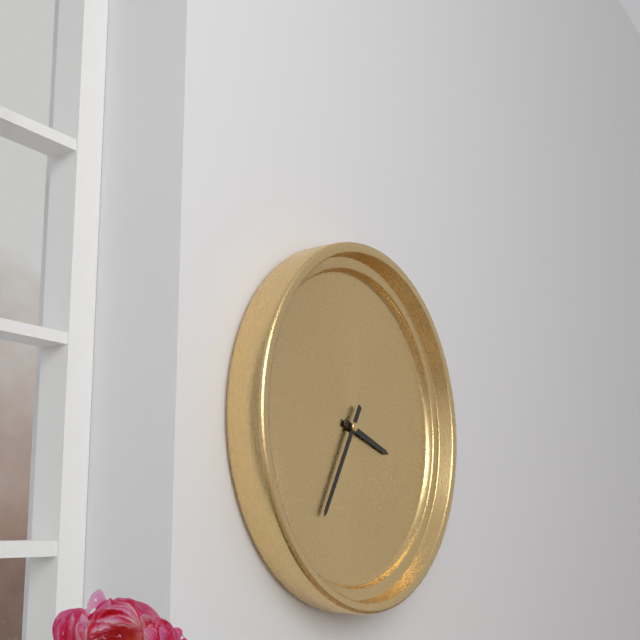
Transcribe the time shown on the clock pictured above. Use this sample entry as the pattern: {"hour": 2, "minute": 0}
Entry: {"hour": 3, "minute": 35}
